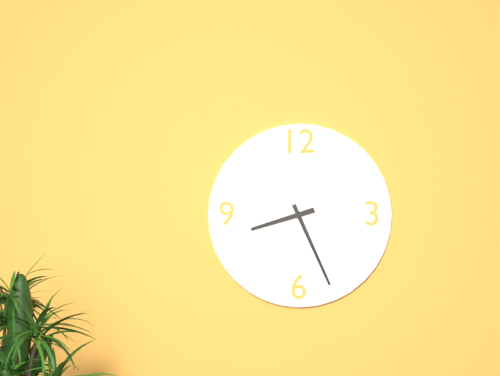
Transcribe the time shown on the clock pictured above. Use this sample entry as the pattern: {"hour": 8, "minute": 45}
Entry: {"hour": 8, "minute": 26}
